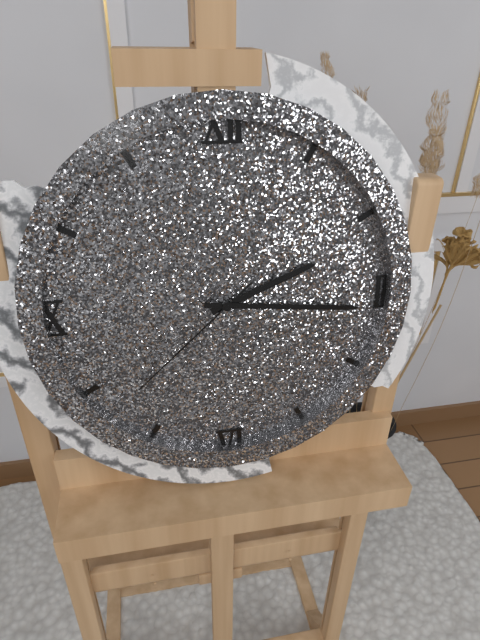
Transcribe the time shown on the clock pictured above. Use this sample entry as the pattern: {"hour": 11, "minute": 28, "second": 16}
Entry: {"hour": 2, "minute": 16, "second": 38}
